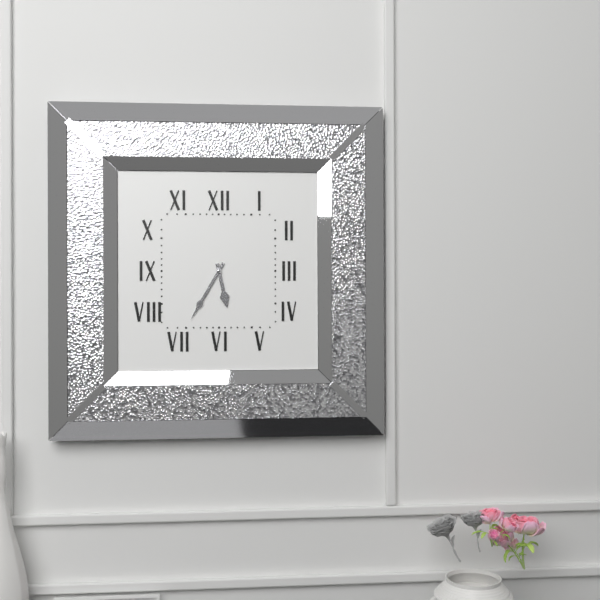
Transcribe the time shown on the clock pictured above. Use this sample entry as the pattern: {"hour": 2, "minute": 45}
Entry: {"hour": 5, "minute": 35}
